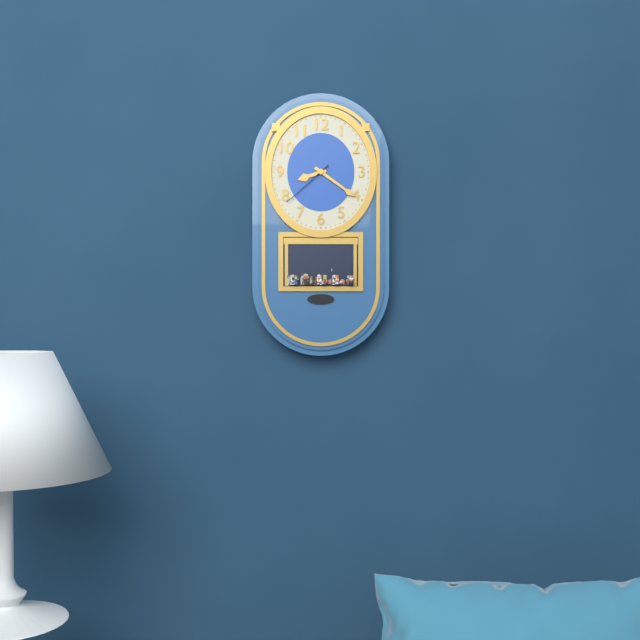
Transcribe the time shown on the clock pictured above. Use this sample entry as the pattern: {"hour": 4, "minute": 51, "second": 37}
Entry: {"hour": 8, "minute": 21, "second": 38}
